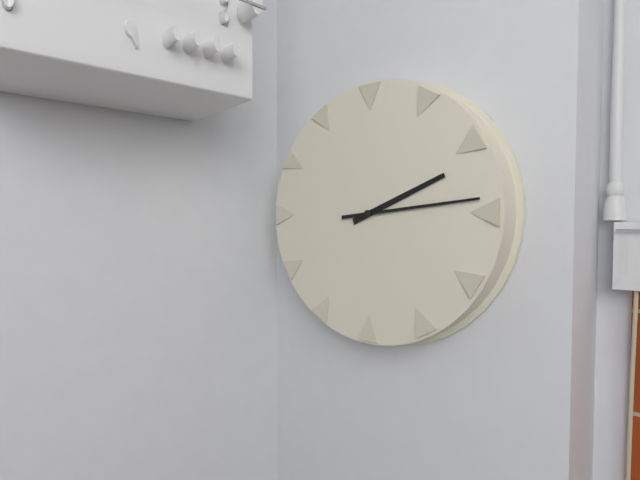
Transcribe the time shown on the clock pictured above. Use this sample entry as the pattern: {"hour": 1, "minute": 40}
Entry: {"hour": 2, "minute": 14}
